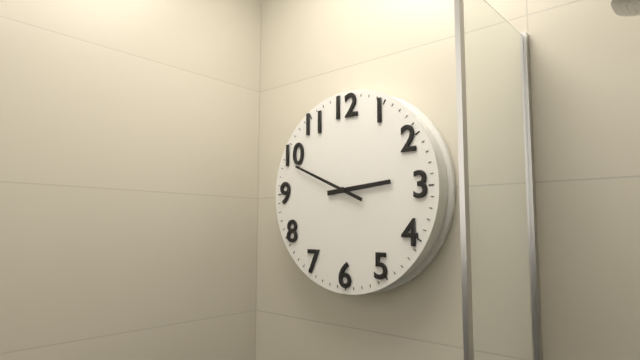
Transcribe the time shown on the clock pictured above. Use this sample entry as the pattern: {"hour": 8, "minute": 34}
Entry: {"hour": 2, "minute": 49}
